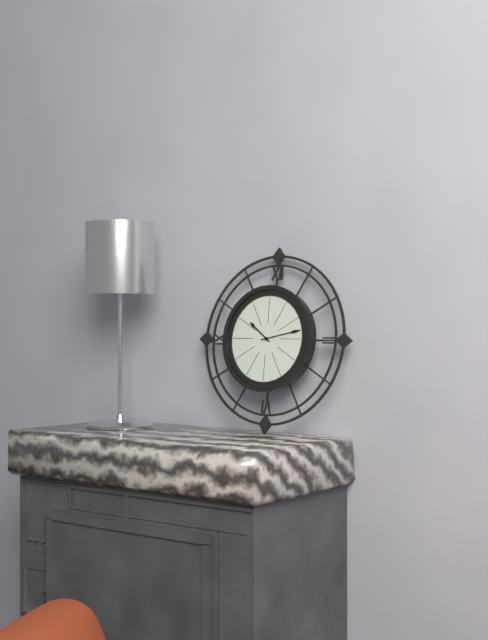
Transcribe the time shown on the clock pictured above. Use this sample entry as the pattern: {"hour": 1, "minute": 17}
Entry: {"hour": 10, "minute": 13}
